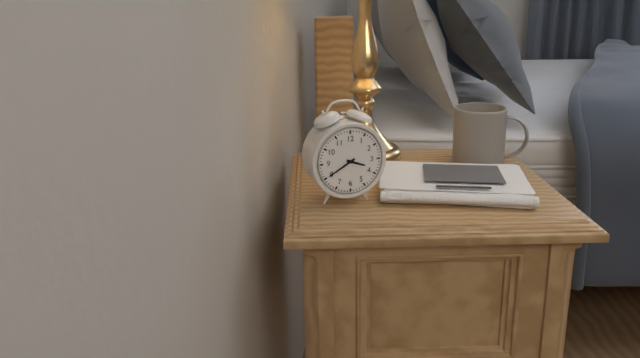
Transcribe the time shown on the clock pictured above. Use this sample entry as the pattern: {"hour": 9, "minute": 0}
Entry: {"hour": 3, "minute": 40}
